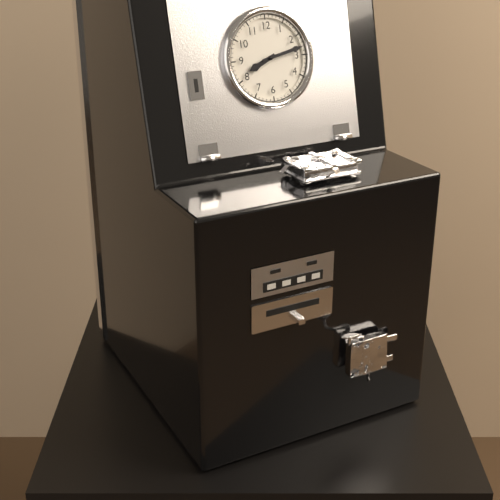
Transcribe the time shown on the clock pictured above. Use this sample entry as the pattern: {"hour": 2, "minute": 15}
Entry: {"hour": 8, "minute": 13}
